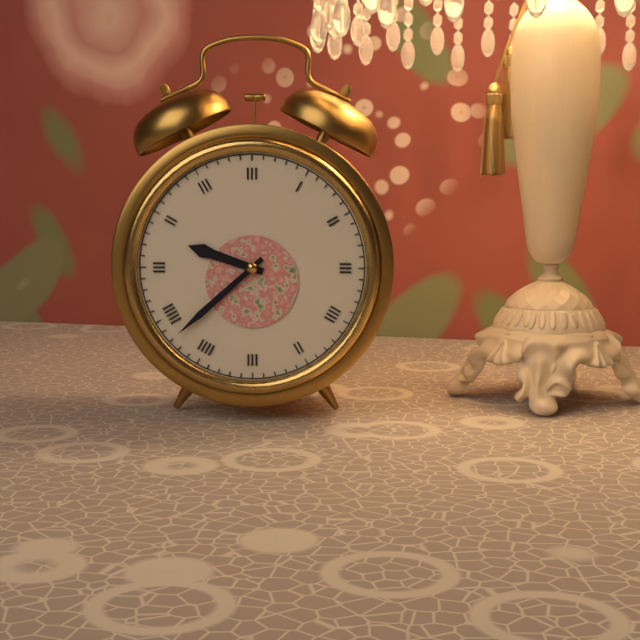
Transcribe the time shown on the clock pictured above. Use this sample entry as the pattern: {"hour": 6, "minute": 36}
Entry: {"hour": 9, "minute": 38}
